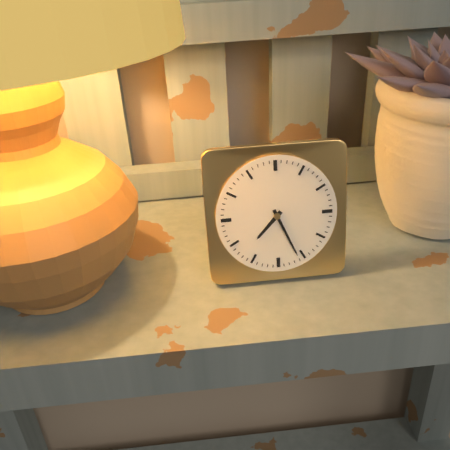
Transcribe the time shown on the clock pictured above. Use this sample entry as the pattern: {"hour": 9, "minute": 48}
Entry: {"hour": 7, "minute": 26}
